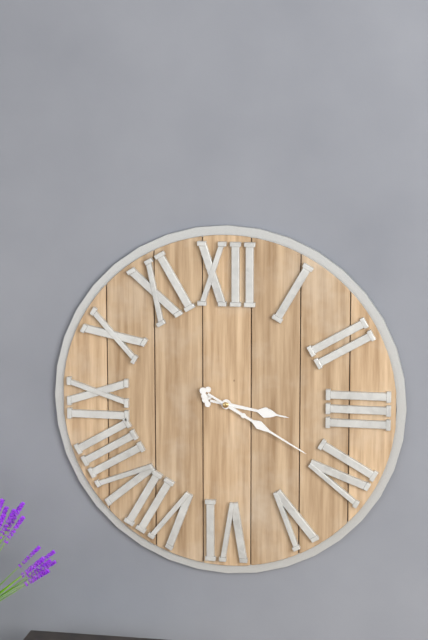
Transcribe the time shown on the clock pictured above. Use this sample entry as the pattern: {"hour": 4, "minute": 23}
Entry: {"hour": 3, "minute": 20}
